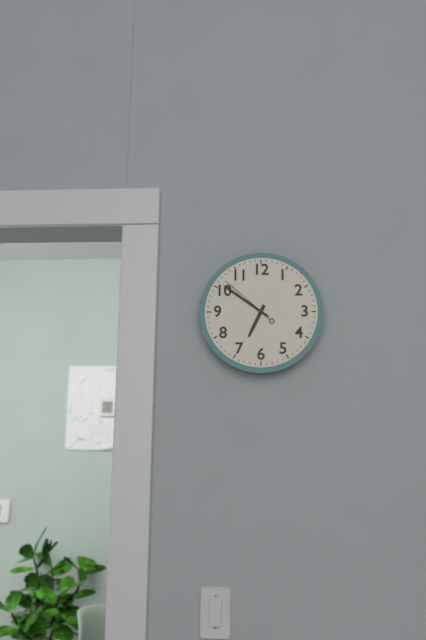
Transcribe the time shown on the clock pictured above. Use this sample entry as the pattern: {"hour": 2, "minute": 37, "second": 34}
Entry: {"hour": 6, "minute": 51, "second": 52}
